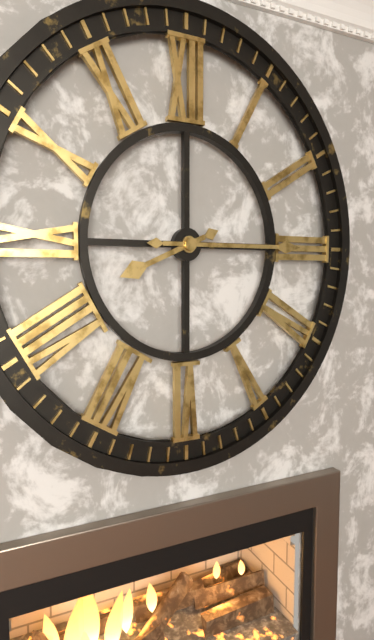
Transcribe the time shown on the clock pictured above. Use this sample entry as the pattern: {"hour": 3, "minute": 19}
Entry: {"hour": 8, "minute": 15}
